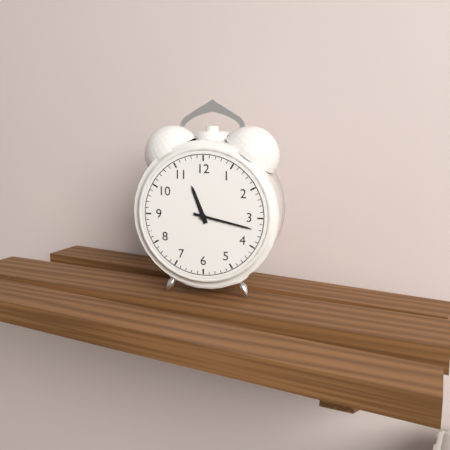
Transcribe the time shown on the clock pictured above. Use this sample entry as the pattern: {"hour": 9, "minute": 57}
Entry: {"hour": 11, "minute": 17}
